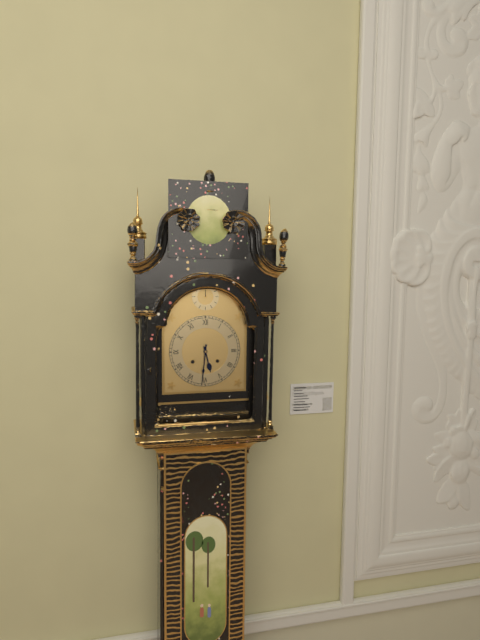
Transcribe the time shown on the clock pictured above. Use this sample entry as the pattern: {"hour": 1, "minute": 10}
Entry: {"hour": 5, "minute": 31}
